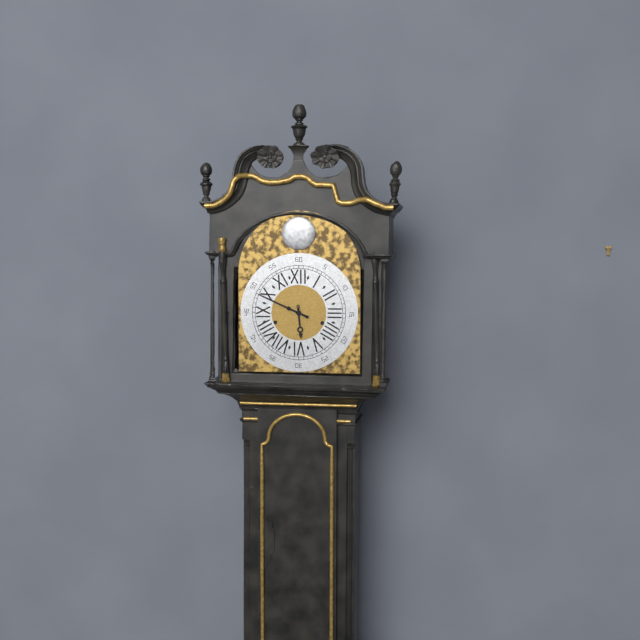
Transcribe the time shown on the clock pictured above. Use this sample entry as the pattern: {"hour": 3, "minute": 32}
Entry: {"hour": 5, "minute": 49}
